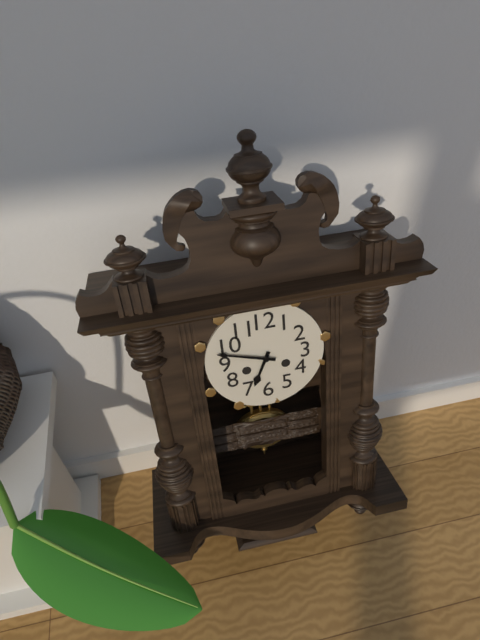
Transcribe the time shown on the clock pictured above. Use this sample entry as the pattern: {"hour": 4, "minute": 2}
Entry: {"hour": 6, "minute": 48}
